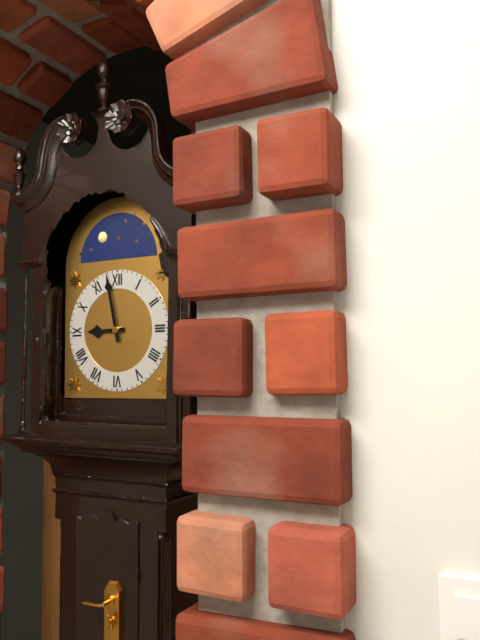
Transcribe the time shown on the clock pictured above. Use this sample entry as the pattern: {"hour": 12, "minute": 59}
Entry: {"hour": 8, "minute": 58}
